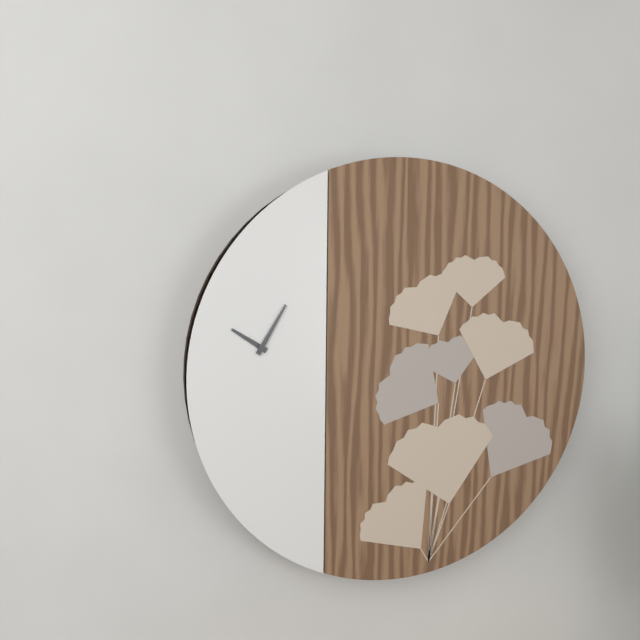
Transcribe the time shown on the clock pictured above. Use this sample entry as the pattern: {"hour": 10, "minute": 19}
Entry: {"hour": 10, "minute": 5}
